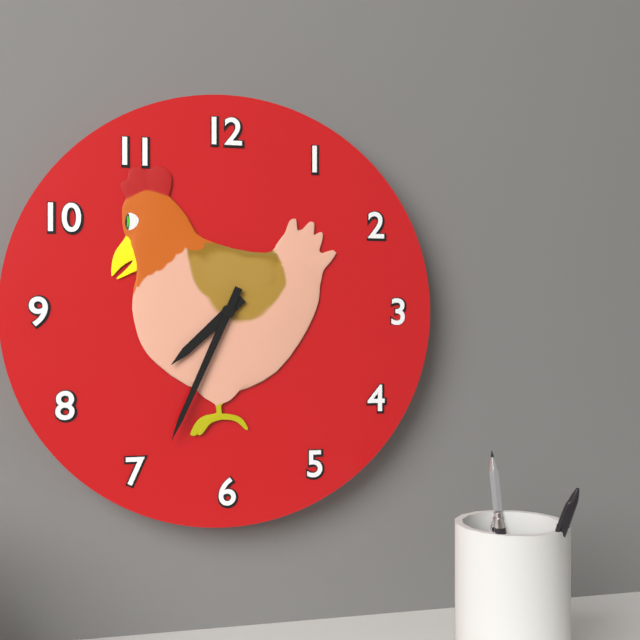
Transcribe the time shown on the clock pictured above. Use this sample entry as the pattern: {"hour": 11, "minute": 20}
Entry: {"hour": 7, "minute": 34}
